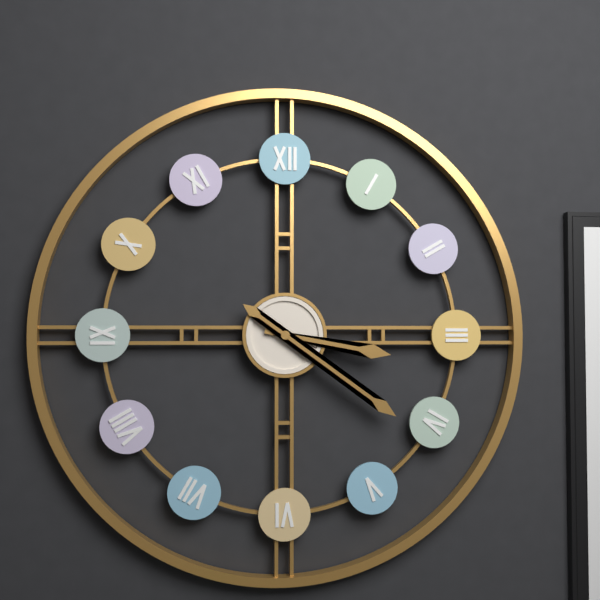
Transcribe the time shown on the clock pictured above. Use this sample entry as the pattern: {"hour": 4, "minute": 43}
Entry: {"hour": 3, "minute": 21}
